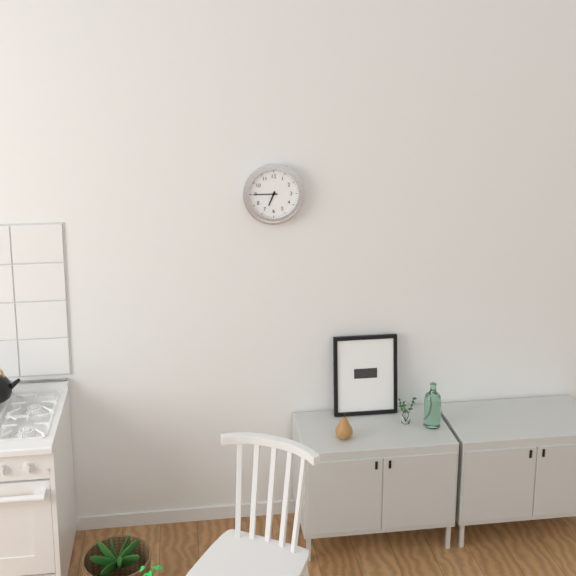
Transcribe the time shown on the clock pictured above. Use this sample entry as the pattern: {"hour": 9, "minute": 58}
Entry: {"hour": 6, "minute": 45}
